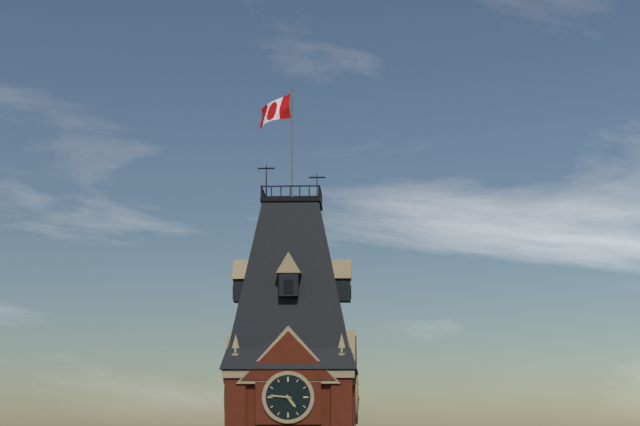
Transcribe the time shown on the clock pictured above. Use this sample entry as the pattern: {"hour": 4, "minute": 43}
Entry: {"hour": 4, "minute": 46}
